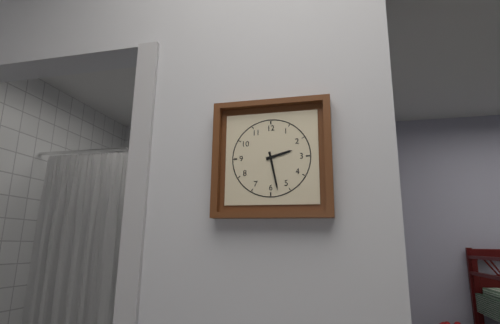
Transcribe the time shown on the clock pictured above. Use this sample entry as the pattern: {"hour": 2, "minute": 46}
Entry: {"hour": 2, "minute": 28}
